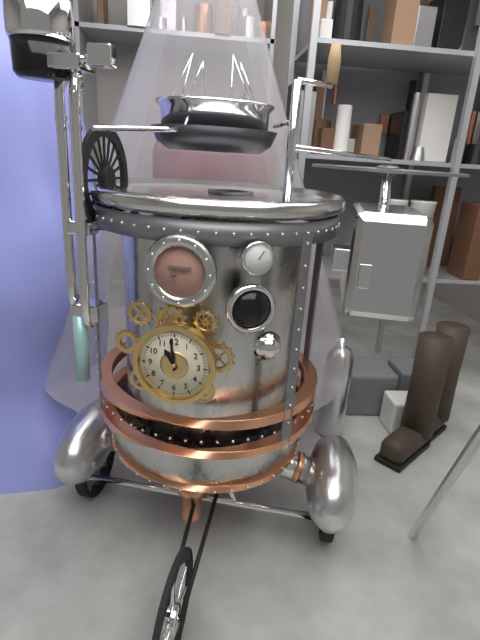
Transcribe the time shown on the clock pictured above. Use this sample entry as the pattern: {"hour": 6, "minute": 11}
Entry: {"hour": 10, "minute": 59}
